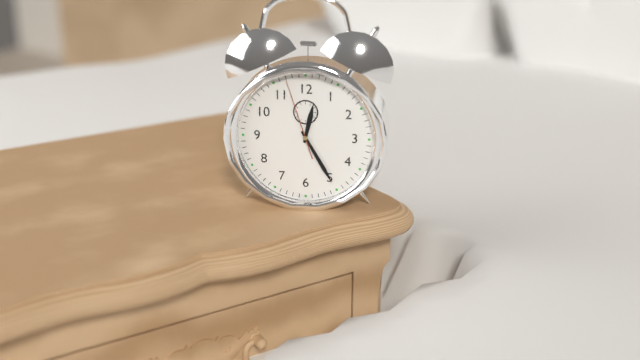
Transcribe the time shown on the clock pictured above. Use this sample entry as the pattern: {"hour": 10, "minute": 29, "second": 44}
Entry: {"hour": 12, "minute": 25, "second": 57}
